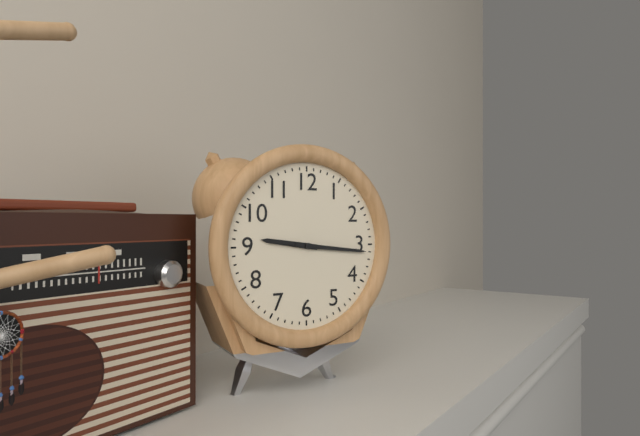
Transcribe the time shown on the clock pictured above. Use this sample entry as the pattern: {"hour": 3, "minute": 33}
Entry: {"hour": 9, "minute": 16}
